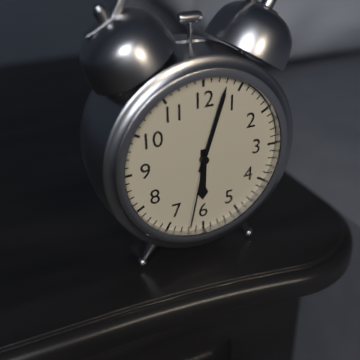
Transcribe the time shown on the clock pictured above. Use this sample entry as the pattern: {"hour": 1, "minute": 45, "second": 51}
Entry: {"hour": 6, "minute": 3, "second": 32}
